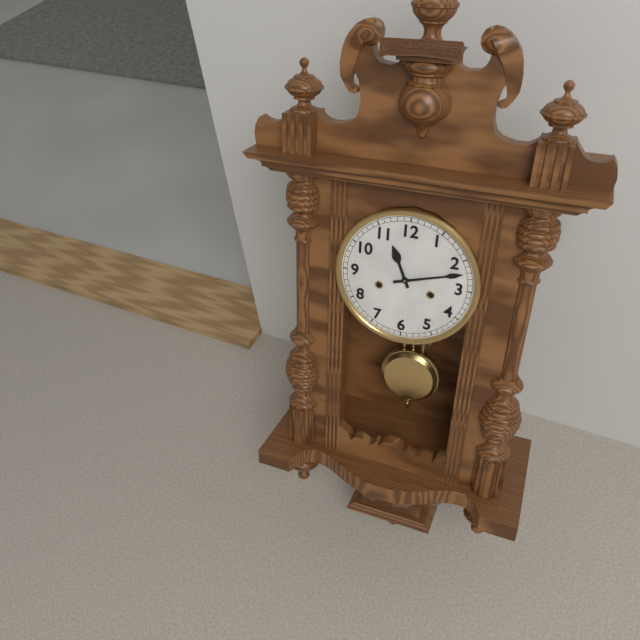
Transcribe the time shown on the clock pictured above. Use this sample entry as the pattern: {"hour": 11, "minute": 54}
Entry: {"hour": 11, "minute": 12}
